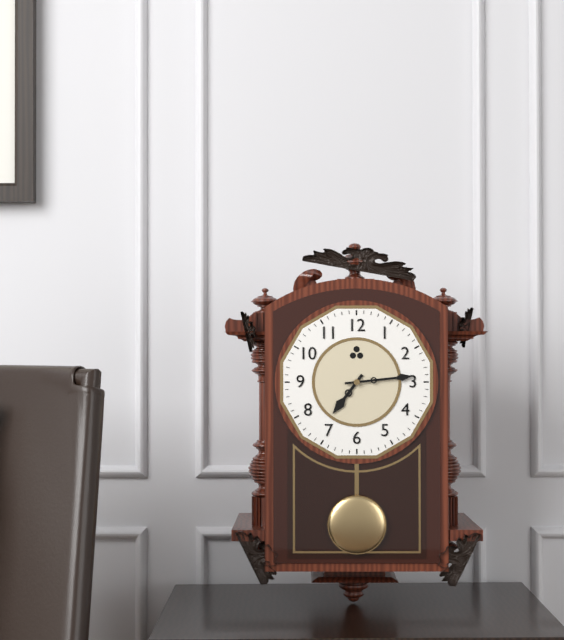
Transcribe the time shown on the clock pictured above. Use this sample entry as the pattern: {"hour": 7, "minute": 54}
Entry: {"hour": 7, "minute": 14}
